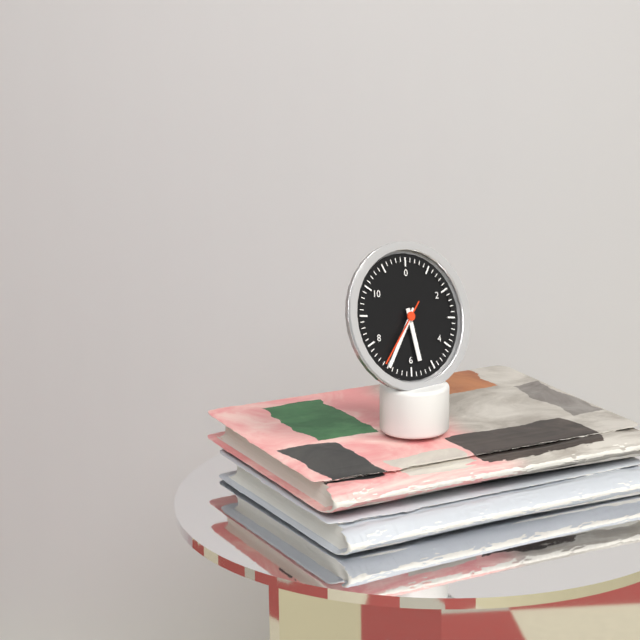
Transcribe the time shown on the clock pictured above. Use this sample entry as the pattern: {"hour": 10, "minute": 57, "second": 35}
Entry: {"hour": 5, "minute": 35, "second": 36}
